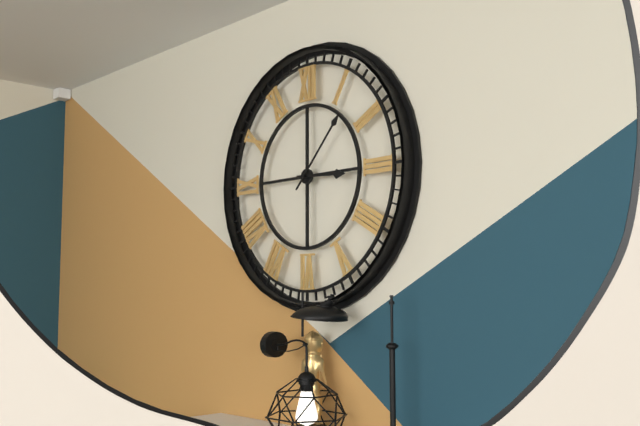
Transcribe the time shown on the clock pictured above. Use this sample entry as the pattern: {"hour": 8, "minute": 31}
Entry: {"hour": 3, "minute": 7}
